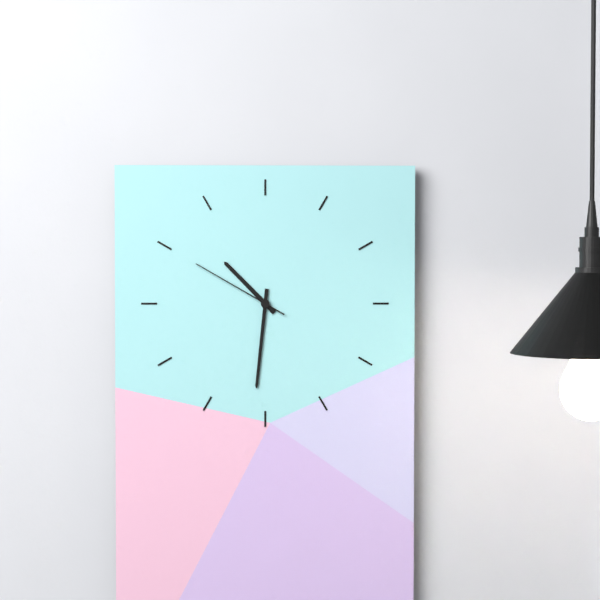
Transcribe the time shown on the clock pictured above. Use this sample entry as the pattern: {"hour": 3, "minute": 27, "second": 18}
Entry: {"hour": 10, "minute": 31, "second": 50}
